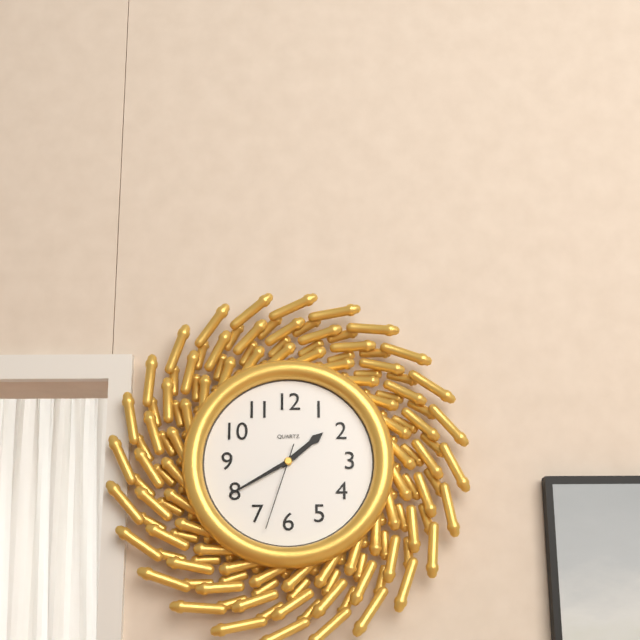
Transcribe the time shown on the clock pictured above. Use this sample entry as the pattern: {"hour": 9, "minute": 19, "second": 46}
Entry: {"hour": 1, "minute": 40, "second": 33}
